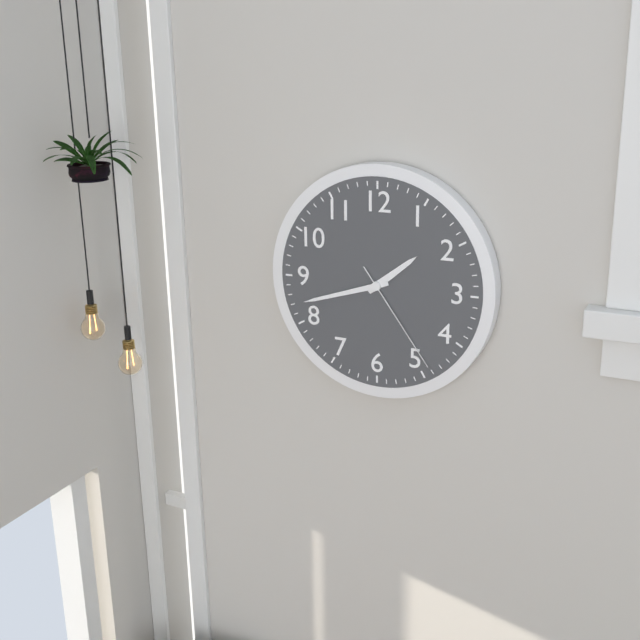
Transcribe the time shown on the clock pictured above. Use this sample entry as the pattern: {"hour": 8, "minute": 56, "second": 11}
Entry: {"hour": 1, "minute": 42, "second": 24}
